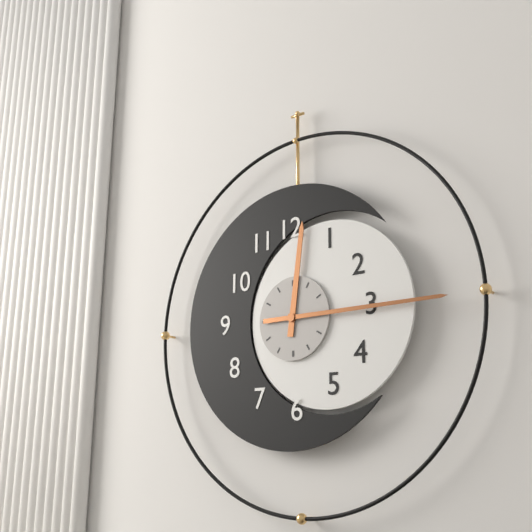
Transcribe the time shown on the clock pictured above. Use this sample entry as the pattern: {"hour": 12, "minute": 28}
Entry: {"hour": 12, "minute": 15}
